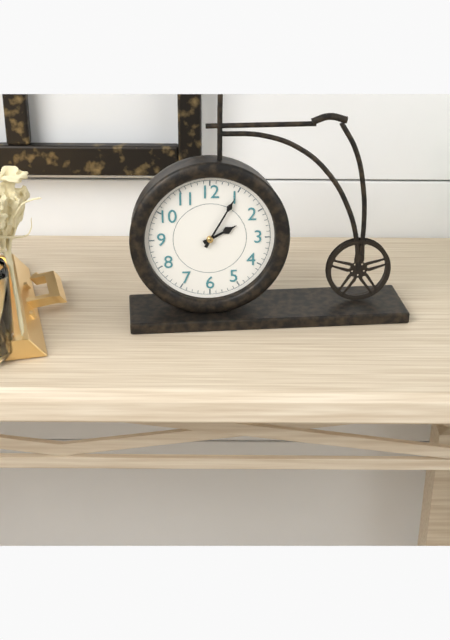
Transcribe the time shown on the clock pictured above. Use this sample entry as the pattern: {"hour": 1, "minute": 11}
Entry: {"hour": 2, "minute": 5}
